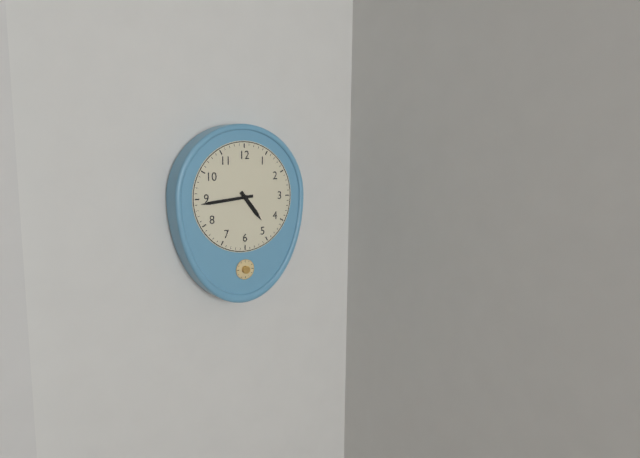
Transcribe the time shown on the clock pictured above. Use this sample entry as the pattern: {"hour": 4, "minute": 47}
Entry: {"hour": 4, "minute": 44}
